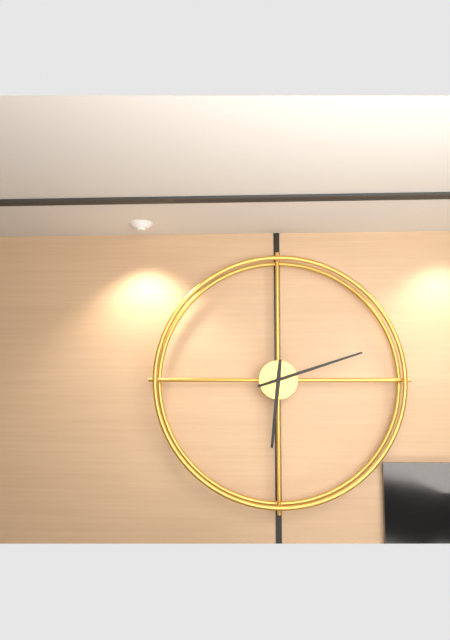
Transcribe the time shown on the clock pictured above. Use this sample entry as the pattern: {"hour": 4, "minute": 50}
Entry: {"hour": 6, "minute": 12}
